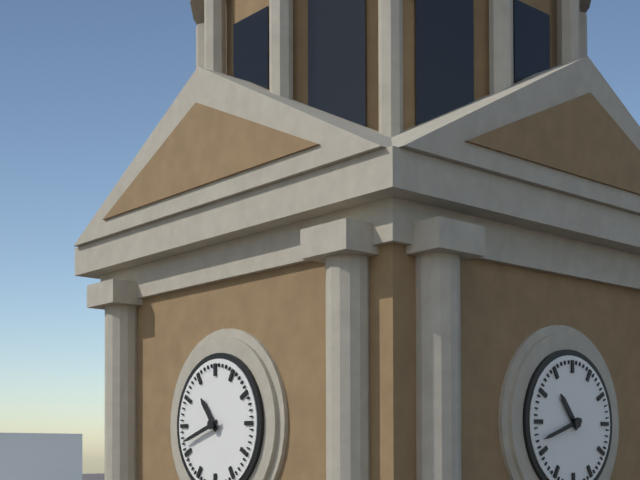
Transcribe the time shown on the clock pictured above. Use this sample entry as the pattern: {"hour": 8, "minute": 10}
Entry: {"hour": 10, "minute": 42}
